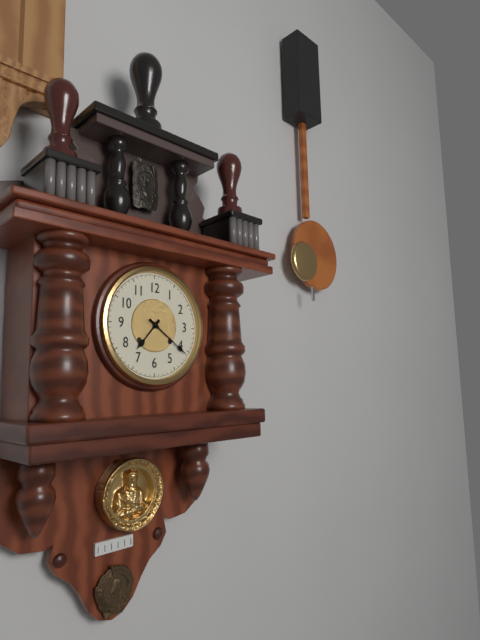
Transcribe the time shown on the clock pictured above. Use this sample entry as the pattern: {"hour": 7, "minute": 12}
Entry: {"hour": 7, "minute": 21}
